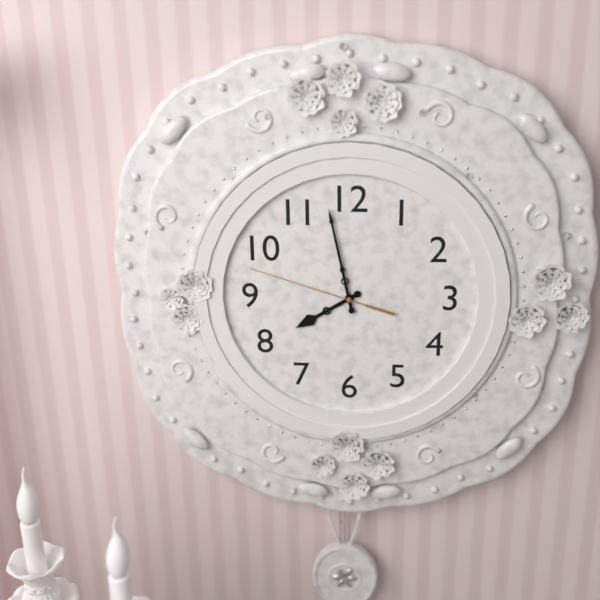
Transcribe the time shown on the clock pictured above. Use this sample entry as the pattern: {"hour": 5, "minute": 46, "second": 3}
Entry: {"hour": 7, "minute": 58, "second": 48}
